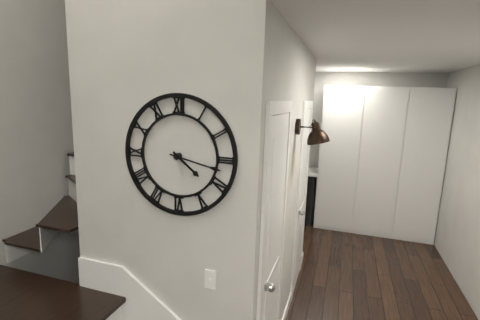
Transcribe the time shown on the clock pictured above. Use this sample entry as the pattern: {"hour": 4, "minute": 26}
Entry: {"hour": 4, "minute": 17}
